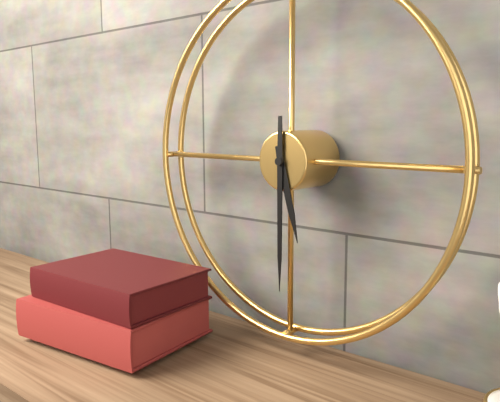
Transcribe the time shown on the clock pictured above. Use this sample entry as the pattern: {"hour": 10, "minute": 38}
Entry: {"hour": 5, "minute": 30}
